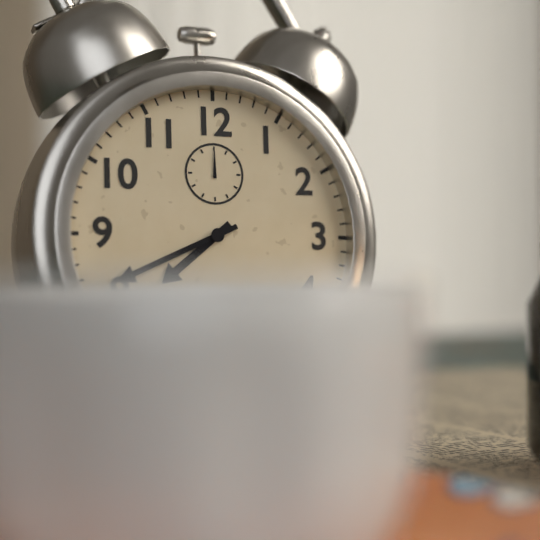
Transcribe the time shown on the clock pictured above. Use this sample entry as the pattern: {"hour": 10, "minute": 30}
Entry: {"hour": 7, "minute": 41}
